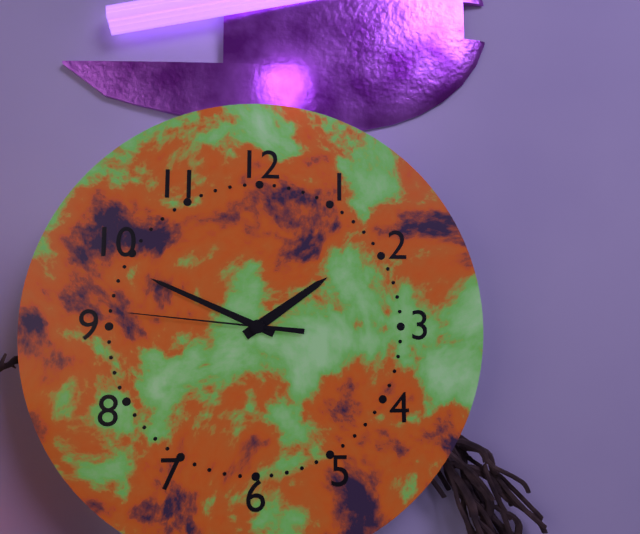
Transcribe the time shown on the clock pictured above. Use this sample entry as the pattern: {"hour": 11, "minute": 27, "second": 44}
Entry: {"hour": 1, "minute": 49, "second": 46}
